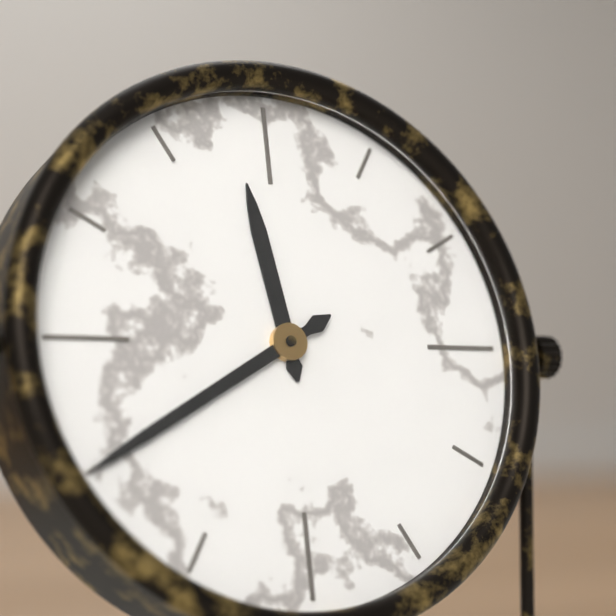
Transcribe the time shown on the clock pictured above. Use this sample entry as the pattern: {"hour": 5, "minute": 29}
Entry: {"hour": 11, "minute": 40}
